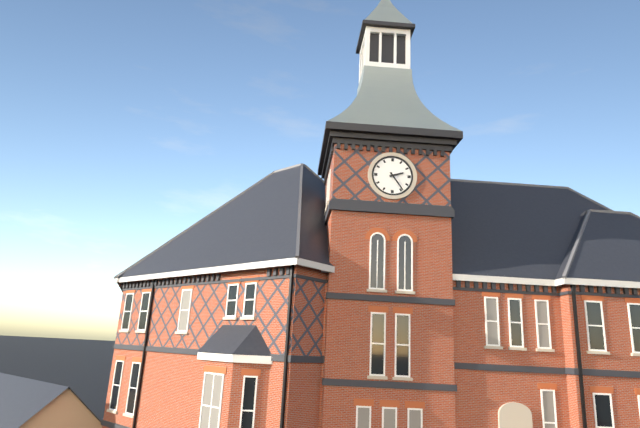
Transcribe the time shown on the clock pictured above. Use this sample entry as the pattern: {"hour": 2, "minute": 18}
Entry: {"hour": 2, "minute": 24}
